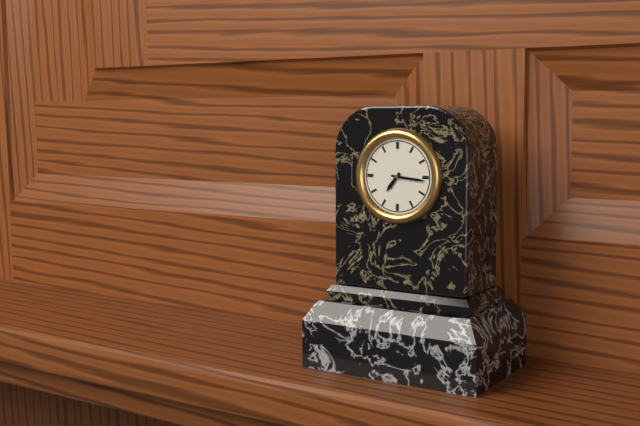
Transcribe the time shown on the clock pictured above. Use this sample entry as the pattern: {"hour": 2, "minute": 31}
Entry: {"hour": 7, "minute": 16}
